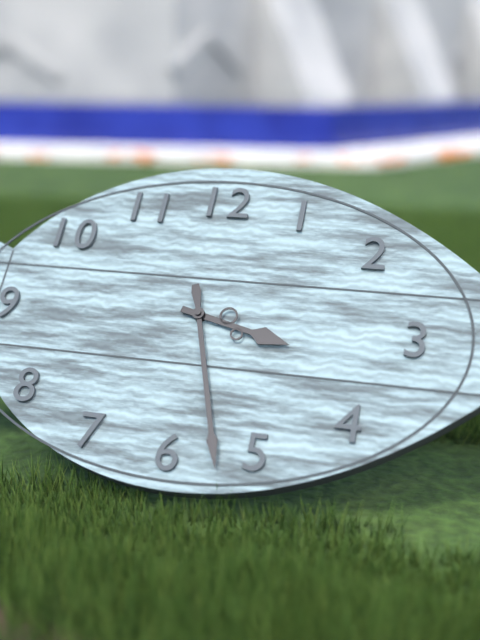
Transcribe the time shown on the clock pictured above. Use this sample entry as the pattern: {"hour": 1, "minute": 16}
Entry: {"hour": 3, "minute": 27}
